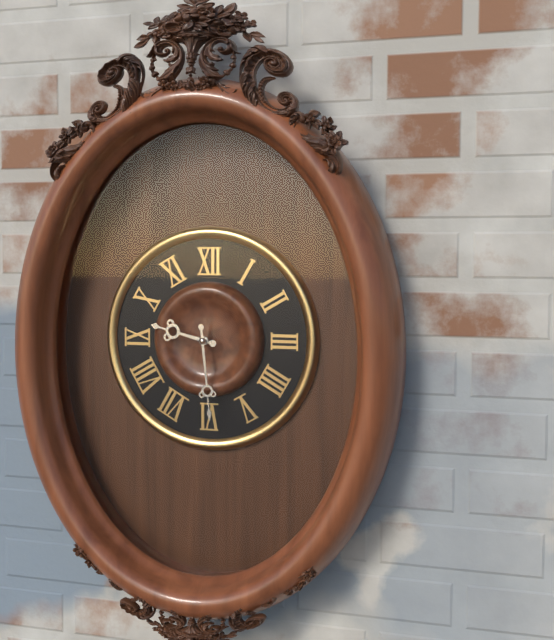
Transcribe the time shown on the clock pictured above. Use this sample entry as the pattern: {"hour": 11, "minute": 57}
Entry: {"hour": 9, "minute": 29}
